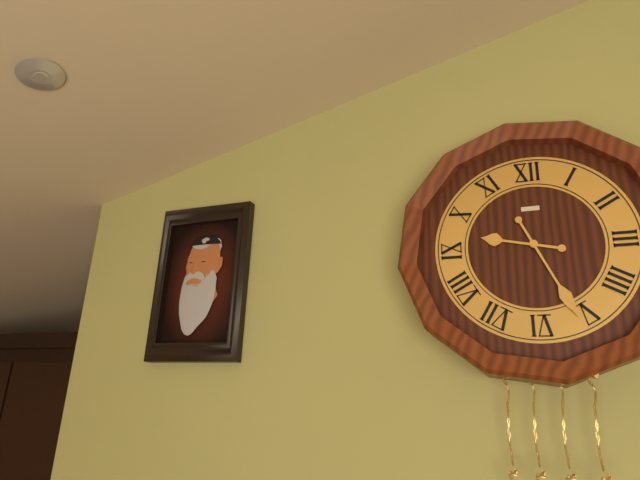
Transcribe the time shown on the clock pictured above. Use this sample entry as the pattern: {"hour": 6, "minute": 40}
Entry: {"hour": 9, "minute": 26}
